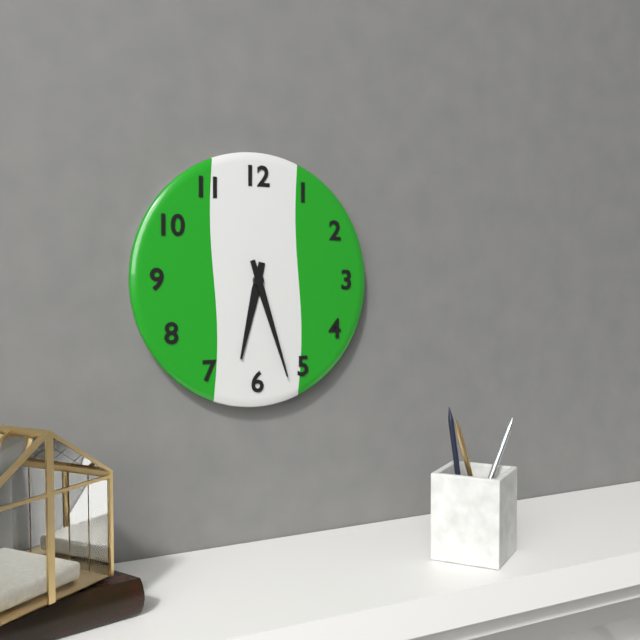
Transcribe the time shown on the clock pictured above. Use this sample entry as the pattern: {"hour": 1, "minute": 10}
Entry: {"hour": 6, "minute": 27}
